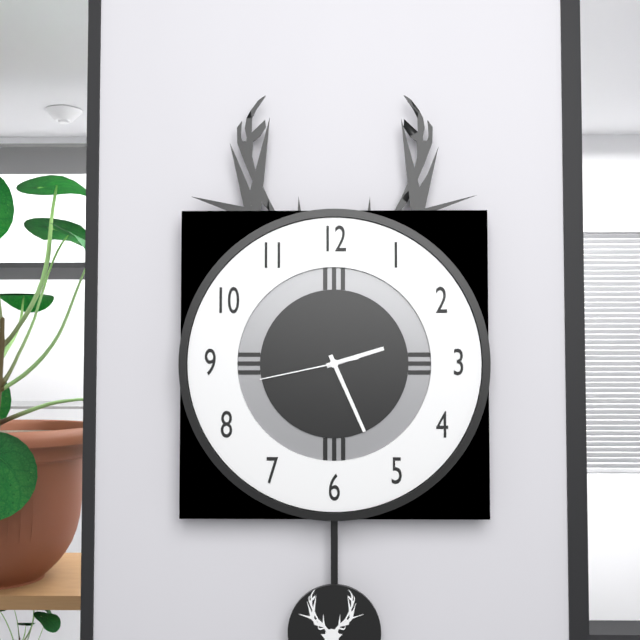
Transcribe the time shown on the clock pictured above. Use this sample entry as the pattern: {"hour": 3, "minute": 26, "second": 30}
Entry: {"hour": 2, "minute": 26, "second": 43}
